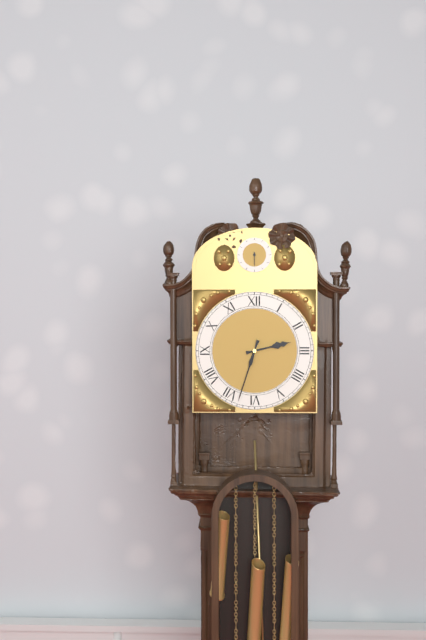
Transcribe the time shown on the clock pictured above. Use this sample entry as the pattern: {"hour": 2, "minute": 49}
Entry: {"hour": 2, "minute": 33}
